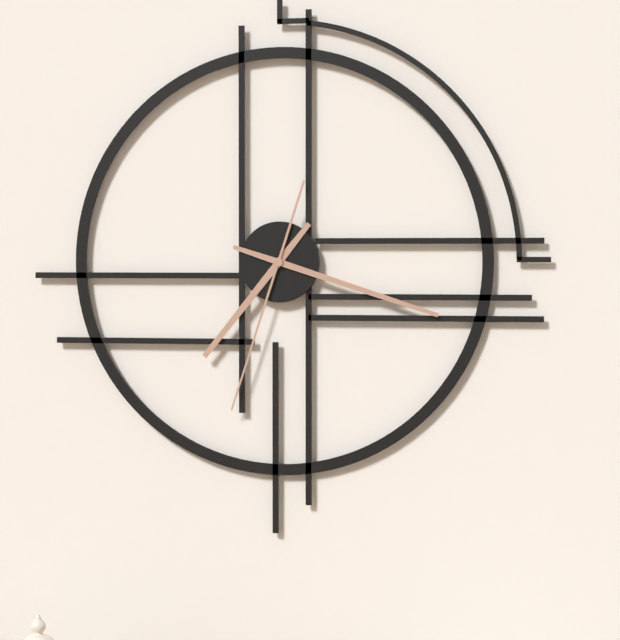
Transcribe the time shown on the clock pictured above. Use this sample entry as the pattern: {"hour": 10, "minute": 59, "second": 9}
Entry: {"hour": 7, "minute": 18, "second": 33}
